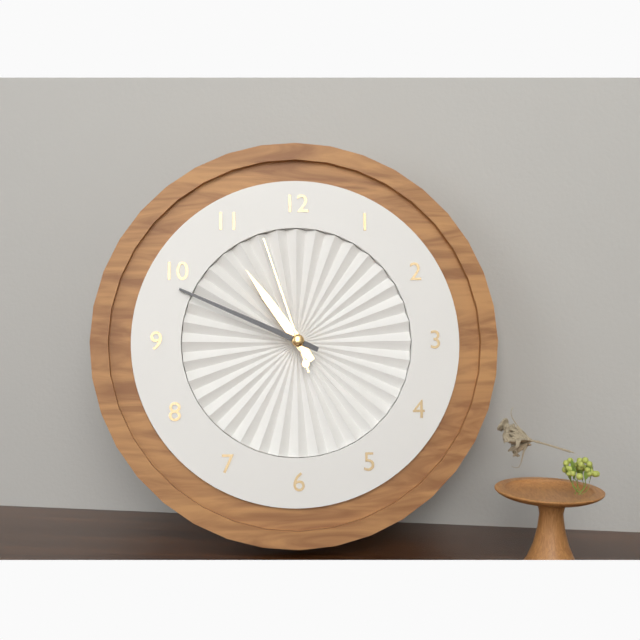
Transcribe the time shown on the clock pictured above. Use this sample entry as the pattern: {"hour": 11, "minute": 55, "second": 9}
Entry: {"hour": 10, "minute": 49, "second": 57}
